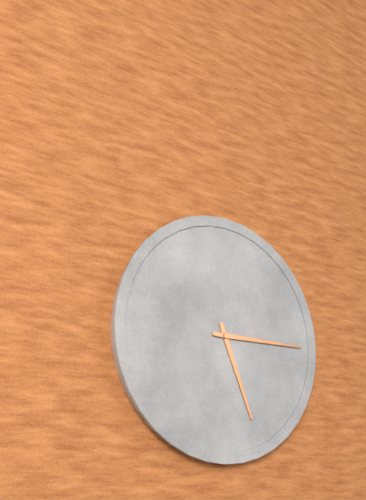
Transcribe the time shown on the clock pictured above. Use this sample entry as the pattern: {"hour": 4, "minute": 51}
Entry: {"hour": 5, "minute": 15}
